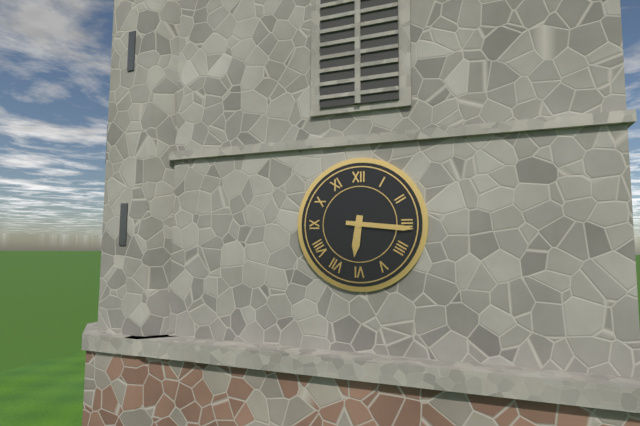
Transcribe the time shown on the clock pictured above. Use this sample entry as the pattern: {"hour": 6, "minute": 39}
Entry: {"hour": 6, "minute": 16}
